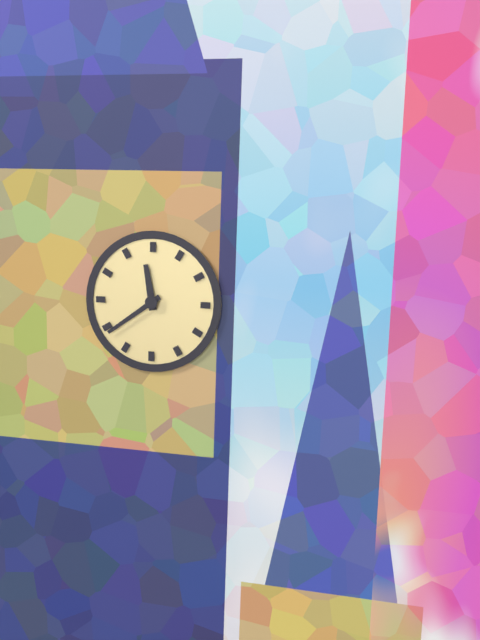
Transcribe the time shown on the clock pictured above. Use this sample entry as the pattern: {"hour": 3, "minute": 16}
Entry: {"hour": 11, "minute": 39}
